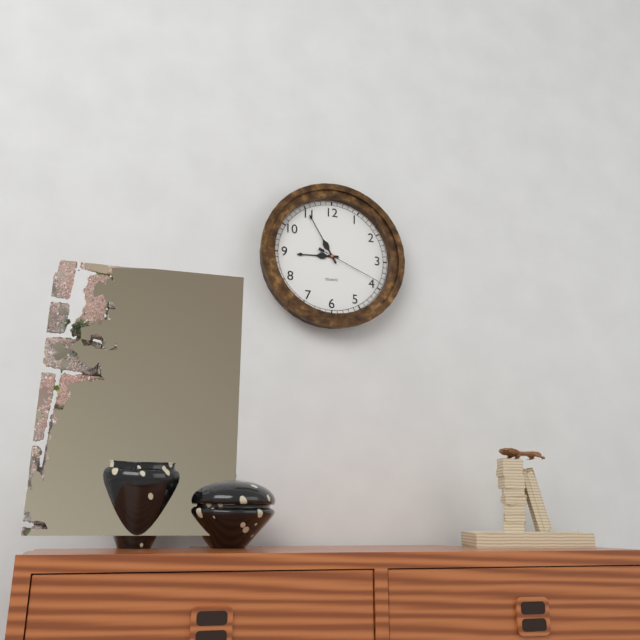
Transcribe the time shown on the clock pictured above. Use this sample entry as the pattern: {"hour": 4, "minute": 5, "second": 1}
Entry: {"hour": 8, "minute": 55, "second": 19}
